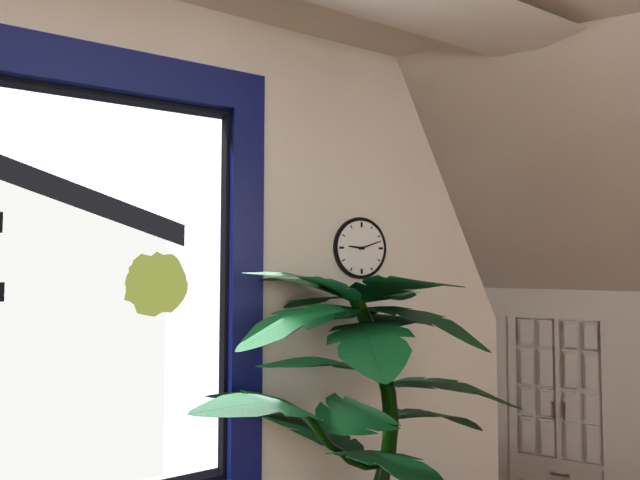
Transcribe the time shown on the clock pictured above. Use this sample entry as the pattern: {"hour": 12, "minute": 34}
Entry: {"hour": 9, "minute": 12}
